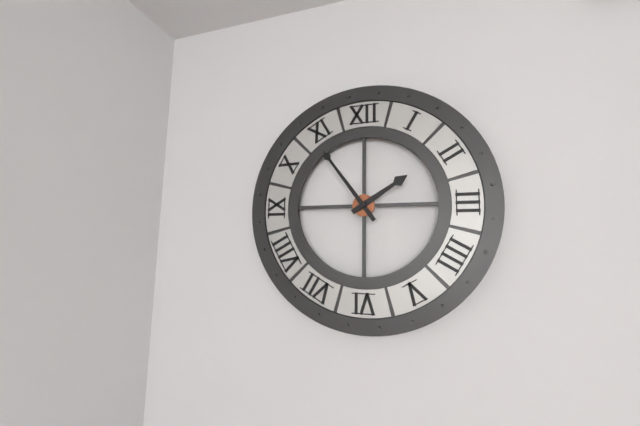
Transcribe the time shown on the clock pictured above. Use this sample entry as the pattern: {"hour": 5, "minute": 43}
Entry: {"hour": 1, "minute": 54}
